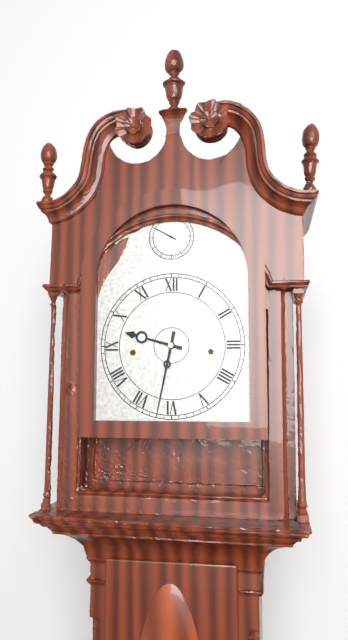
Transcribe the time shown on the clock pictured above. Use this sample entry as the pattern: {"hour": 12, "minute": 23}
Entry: {"hour": 9, "minute": 32}
